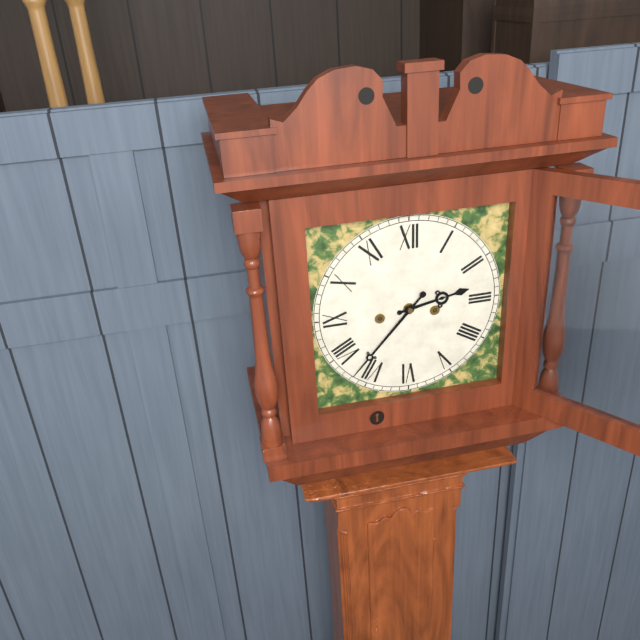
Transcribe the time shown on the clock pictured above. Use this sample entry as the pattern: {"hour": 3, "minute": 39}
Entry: {"hour": 2, "minute": 37}
